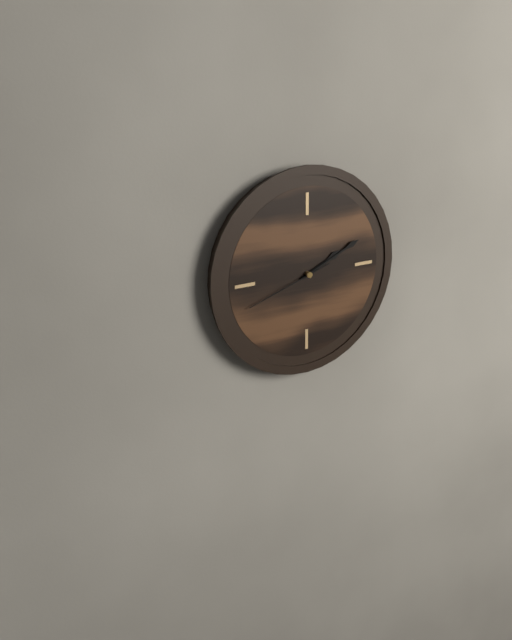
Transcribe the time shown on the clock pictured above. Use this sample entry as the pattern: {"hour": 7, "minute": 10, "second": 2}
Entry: {"hour": 2, "minute": 11, "second": 42}
